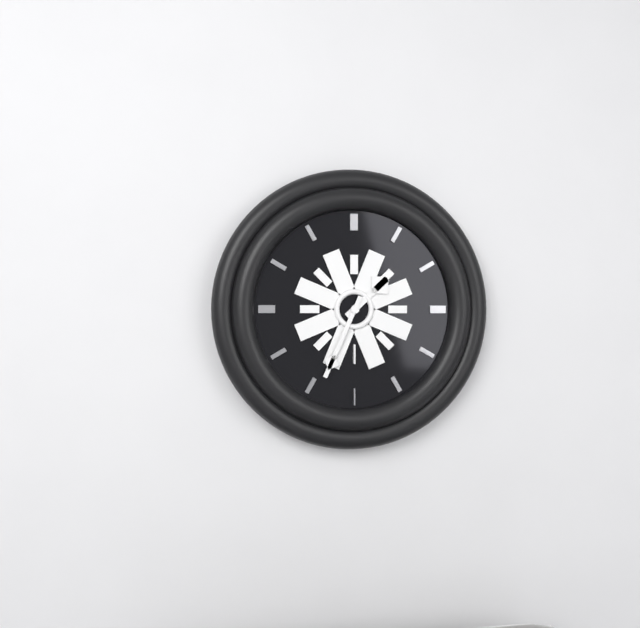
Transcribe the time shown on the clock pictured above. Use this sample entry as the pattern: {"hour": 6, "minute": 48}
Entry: {"hour": 1, "minute": 34}
